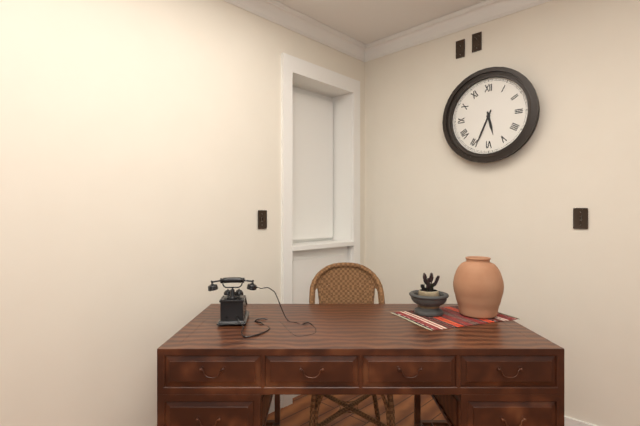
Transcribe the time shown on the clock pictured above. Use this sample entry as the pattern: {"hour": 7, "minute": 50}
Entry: {"hour": 5, "minute": 34}
